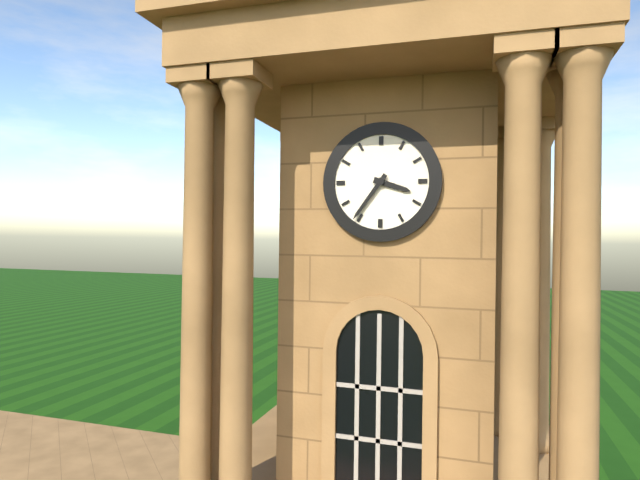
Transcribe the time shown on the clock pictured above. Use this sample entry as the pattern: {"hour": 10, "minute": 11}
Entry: {"hour": 3, "minute": 36}
